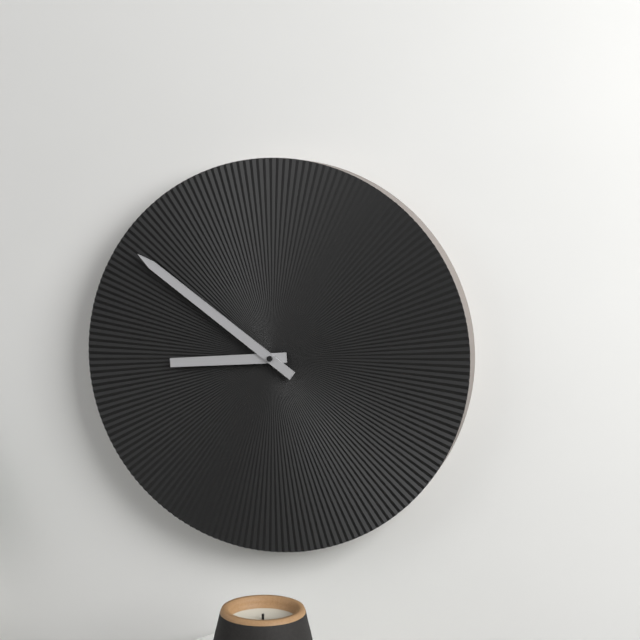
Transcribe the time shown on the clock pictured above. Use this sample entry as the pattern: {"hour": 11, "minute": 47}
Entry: {"hour": 8, "minute": 51}
